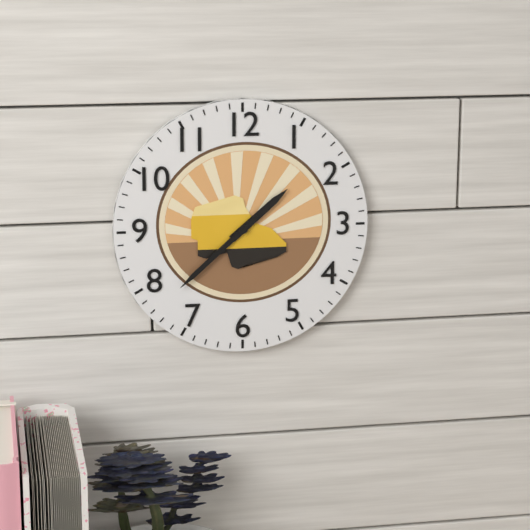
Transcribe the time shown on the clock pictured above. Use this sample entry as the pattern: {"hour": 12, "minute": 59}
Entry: {"hour": 1, "minute": 38}
